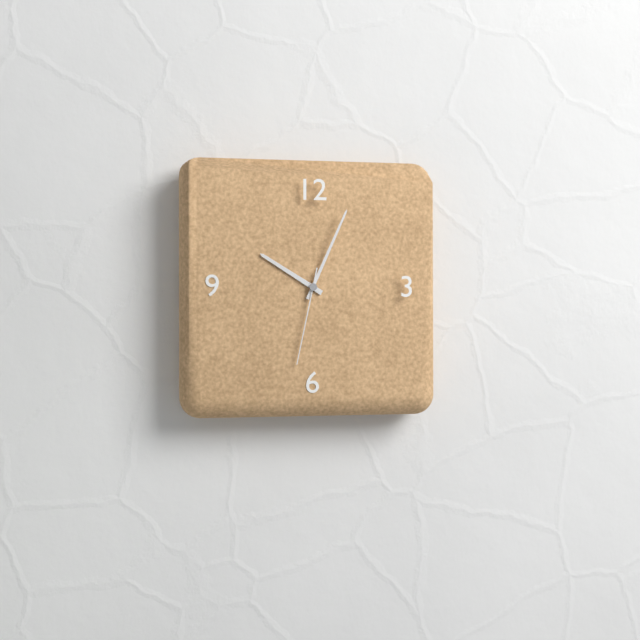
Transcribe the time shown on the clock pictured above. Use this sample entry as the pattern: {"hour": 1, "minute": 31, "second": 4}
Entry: {"hour": 10, "minute": 4, "second": 32}
